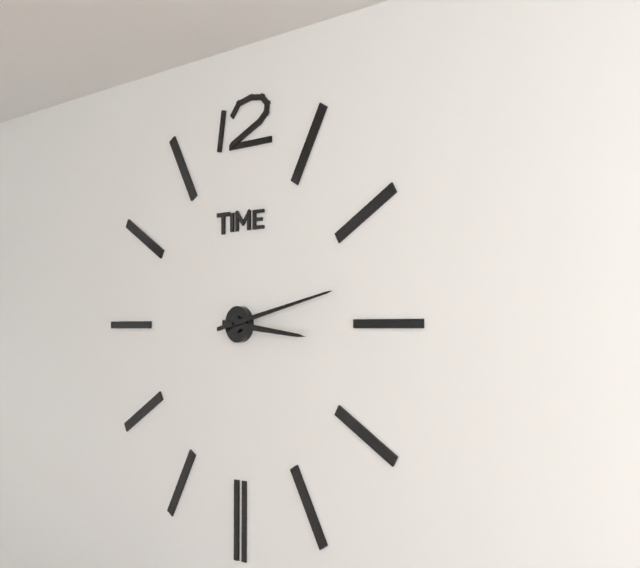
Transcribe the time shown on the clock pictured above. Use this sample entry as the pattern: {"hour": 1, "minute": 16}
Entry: {"hour": 3, "minute": 13}
